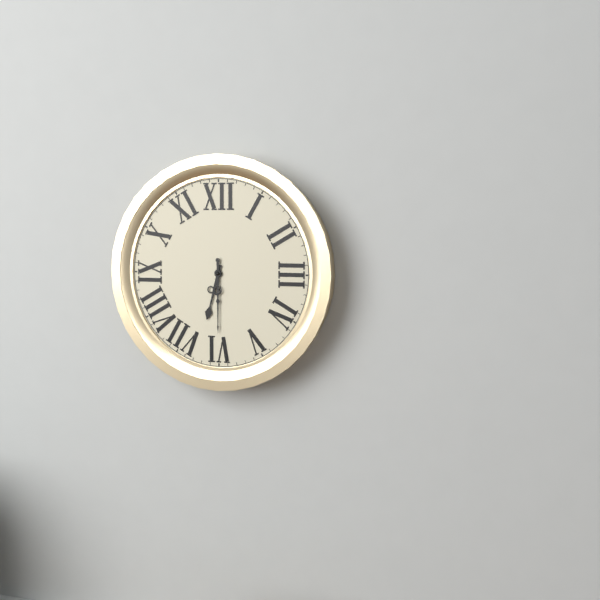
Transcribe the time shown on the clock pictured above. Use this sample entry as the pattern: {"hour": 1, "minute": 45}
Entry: {"hour": 6, "minute": 30}
